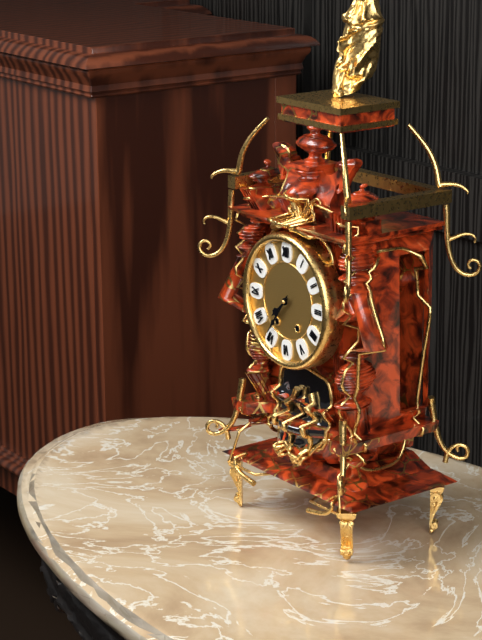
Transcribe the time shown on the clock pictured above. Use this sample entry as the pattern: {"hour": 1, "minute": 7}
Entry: {"hour": 7, "minute": 36}
